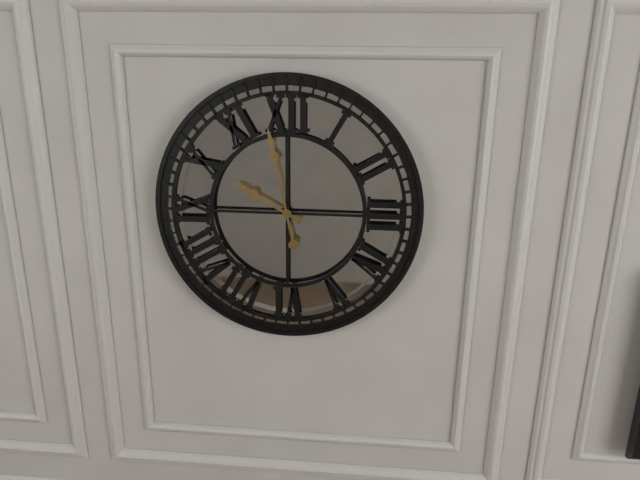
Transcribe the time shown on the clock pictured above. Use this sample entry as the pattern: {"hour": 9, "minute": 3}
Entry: {"hour": 9, "minute": 58}
